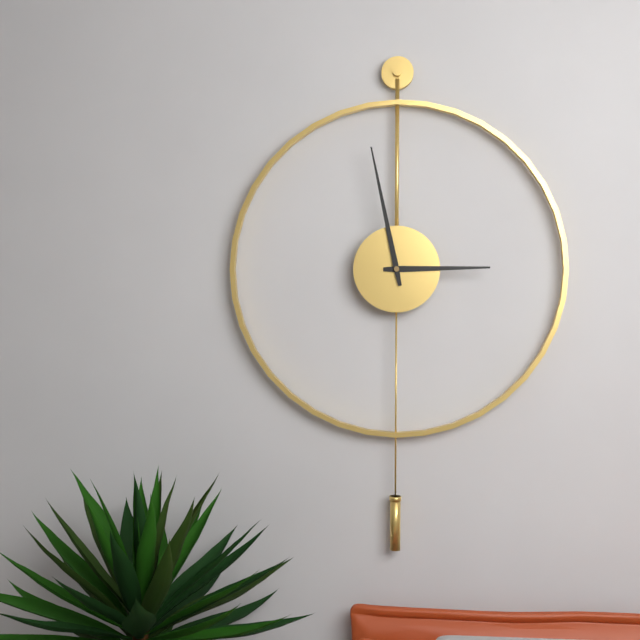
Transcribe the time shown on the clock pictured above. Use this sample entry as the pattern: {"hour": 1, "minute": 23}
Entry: {"hour": 2, "minute": 58}
